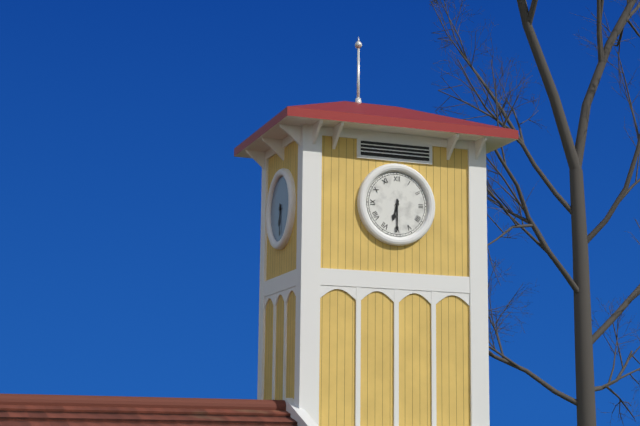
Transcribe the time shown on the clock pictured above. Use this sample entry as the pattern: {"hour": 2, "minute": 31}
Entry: {"hour": 6, "minute": 30}
